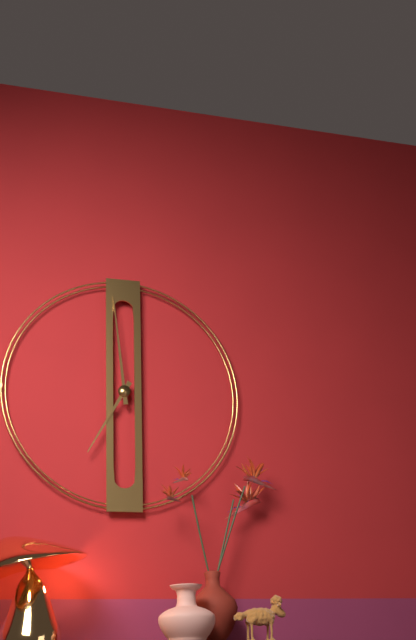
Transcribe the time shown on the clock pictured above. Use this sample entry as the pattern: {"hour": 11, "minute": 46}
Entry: {"hour": 6, "minute": 59}
